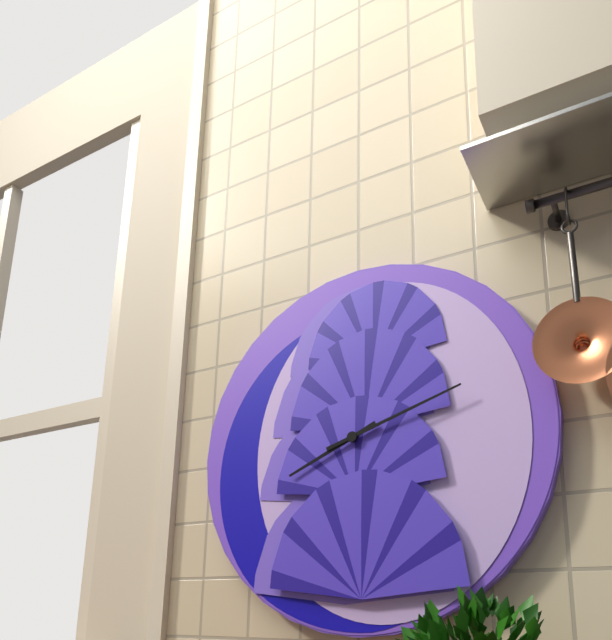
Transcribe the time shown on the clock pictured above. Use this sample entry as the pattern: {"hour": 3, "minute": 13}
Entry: {"hour": 8, "minute": 12}
